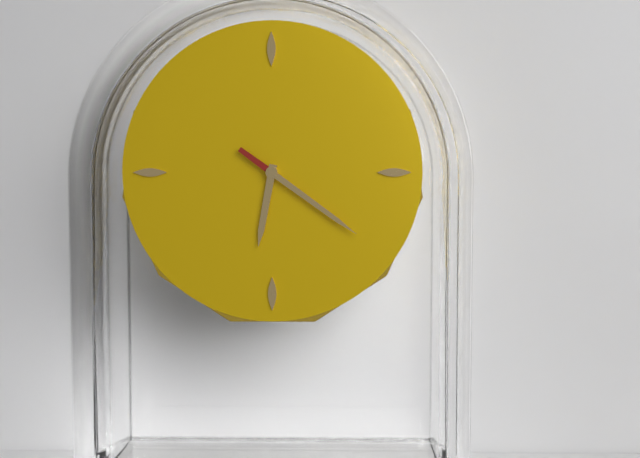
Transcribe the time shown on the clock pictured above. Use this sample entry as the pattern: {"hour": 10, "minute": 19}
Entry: {"hour": 6, "minute": 21}
